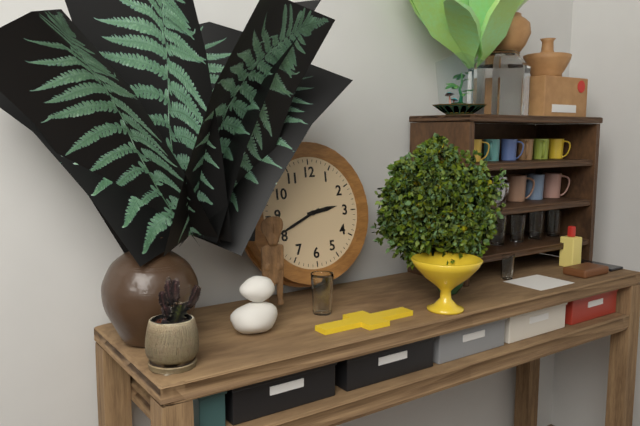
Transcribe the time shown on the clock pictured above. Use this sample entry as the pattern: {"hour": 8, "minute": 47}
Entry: {"hour": 2, "minute": 41}
